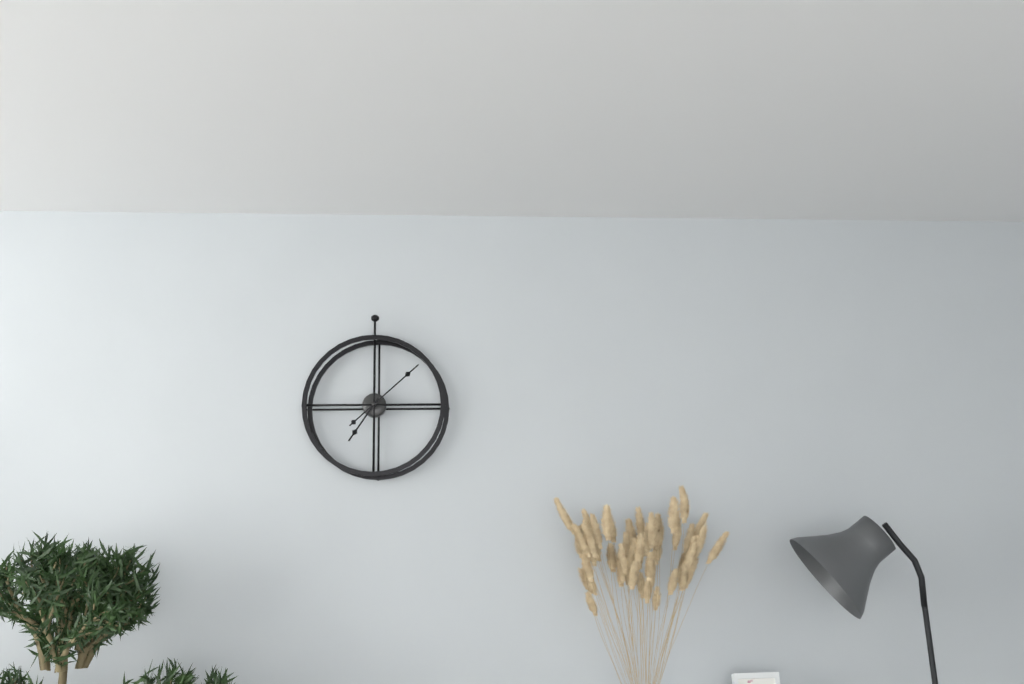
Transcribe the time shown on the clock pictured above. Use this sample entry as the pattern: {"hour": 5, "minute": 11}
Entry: {"hour": 7, "minute": 8}
